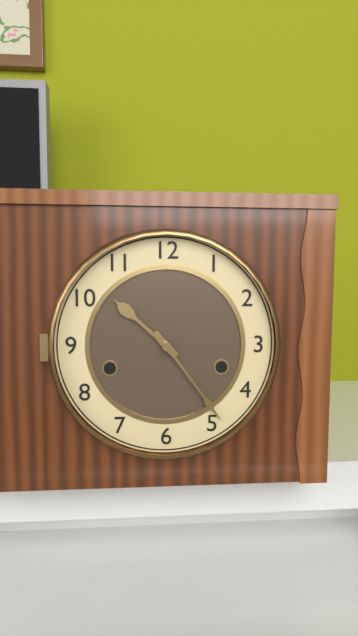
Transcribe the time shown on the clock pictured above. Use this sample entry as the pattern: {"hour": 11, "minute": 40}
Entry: {"hour": 10, "minute": 24}
